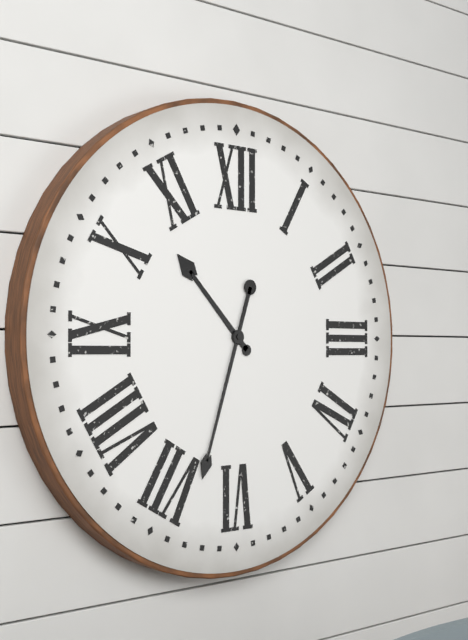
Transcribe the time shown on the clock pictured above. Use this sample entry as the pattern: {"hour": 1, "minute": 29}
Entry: {"hour": 10, "minute": 33}
